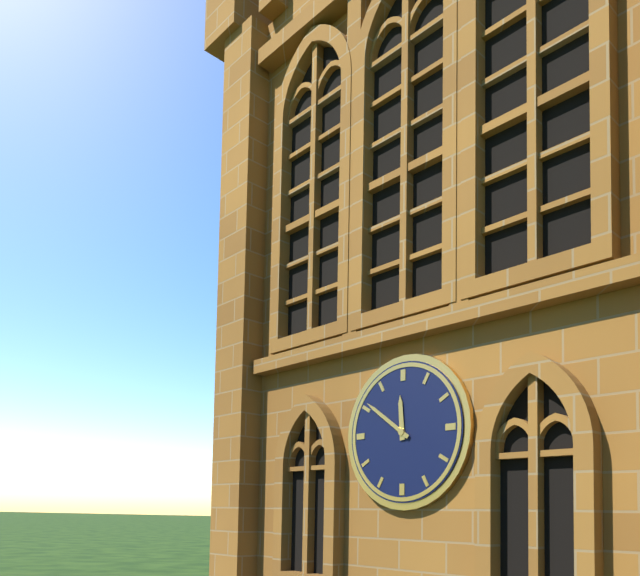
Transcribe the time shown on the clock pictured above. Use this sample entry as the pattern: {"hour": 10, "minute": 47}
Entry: {"hour": 11, "minute": 51}
